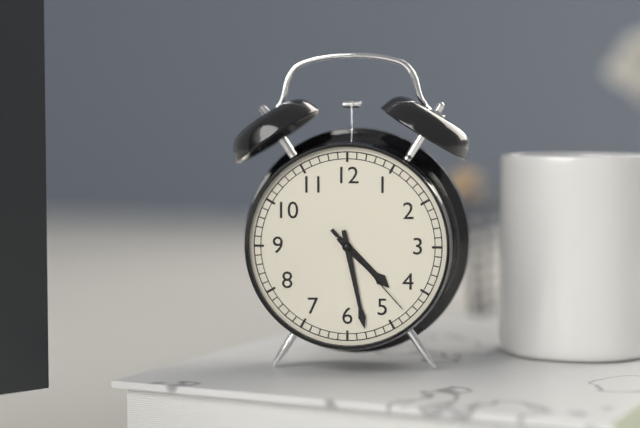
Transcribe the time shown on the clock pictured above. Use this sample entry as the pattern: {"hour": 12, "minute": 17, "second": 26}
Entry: {"hour": 4, "minute": 28, "second": 23}
